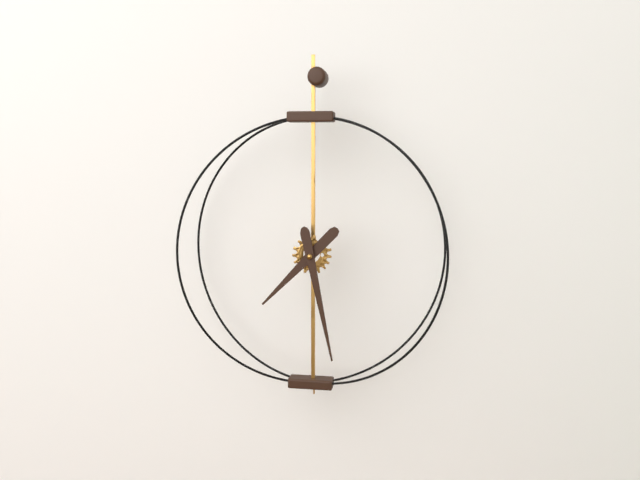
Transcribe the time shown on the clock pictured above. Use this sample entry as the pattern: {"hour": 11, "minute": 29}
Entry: {"hour": 7, "minute": 28}
